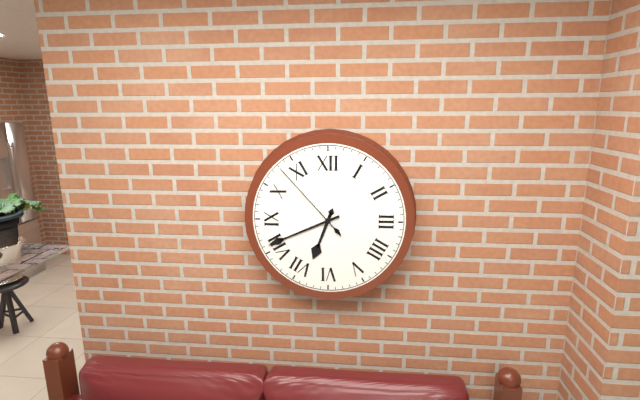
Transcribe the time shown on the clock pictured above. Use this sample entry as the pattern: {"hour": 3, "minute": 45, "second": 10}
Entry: {"hour": 6, "minute": 41, "second": 53}
